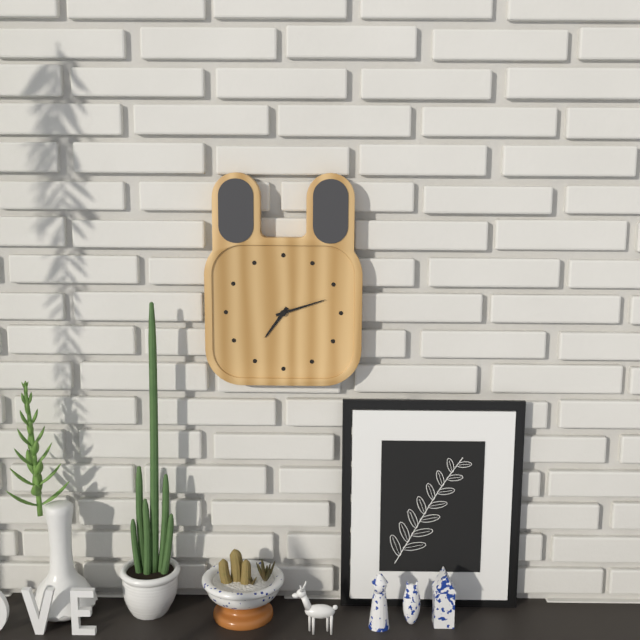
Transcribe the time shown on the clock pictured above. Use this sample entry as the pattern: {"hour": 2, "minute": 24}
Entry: {"hour": 7, "minute": 12}
